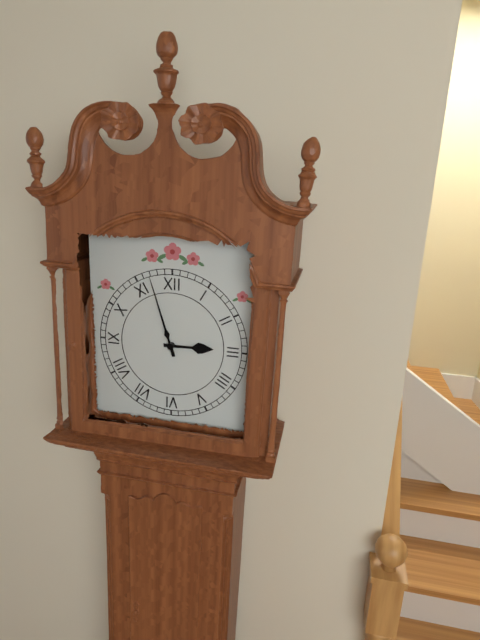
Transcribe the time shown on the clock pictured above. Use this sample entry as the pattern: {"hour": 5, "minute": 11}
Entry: {"hour": 2, "minute": 57}
